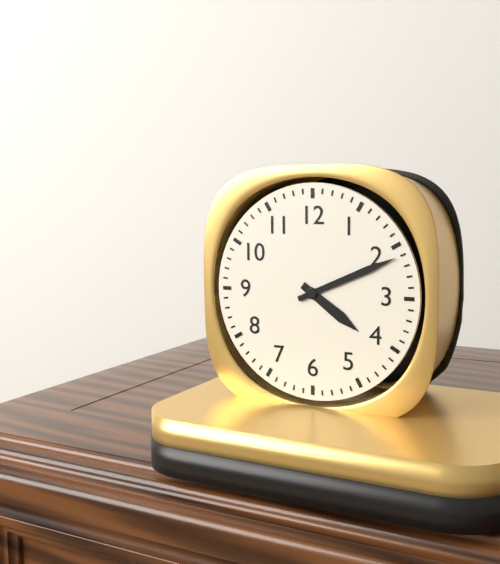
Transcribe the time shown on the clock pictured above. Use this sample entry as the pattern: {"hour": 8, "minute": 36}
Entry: {"hour": 4, "minute": 11}
